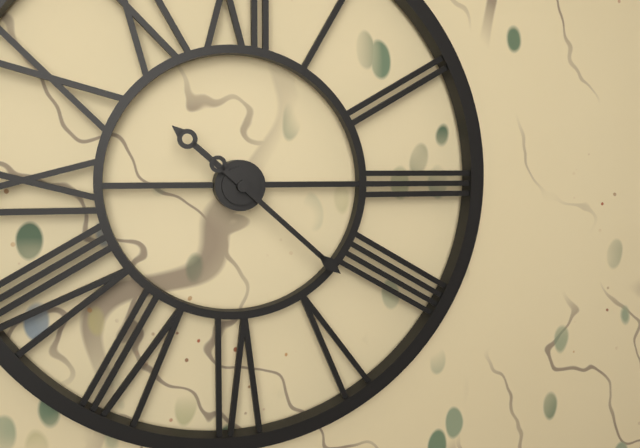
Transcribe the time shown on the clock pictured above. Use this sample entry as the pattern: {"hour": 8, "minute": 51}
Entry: {"hour": 10, "minute": 22}
